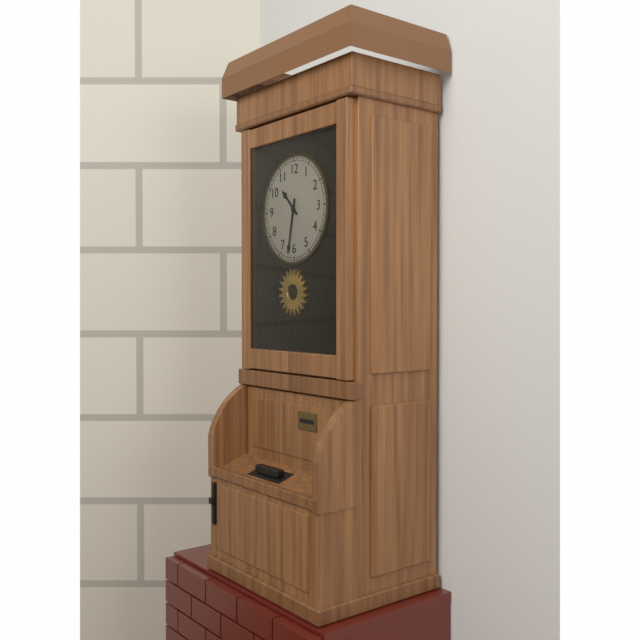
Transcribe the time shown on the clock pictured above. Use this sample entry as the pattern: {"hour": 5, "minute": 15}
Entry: {"hour": 10, "minute": 32}
